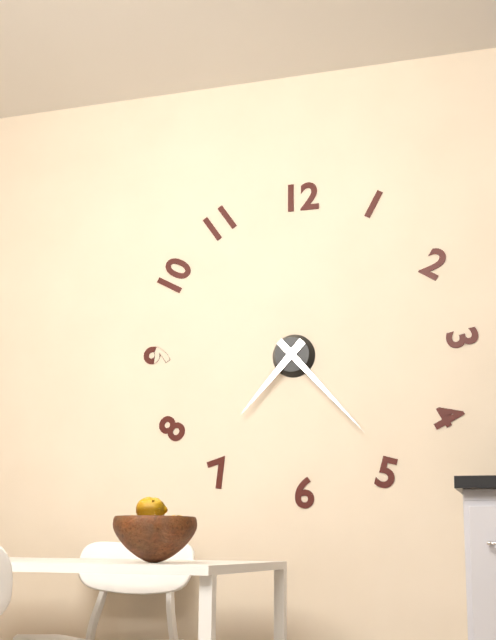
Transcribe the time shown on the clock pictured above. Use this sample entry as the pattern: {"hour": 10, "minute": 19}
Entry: {"hour": 7, "minute": 23}
